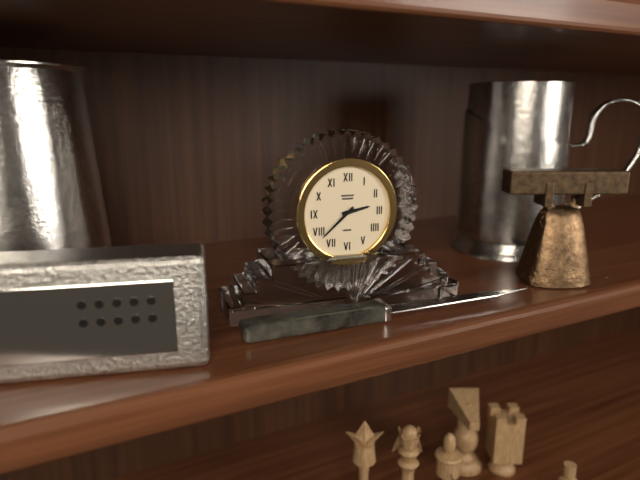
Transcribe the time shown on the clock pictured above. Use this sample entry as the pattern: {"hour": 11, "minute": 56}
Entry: {"hour": 2, "minute": 38}
